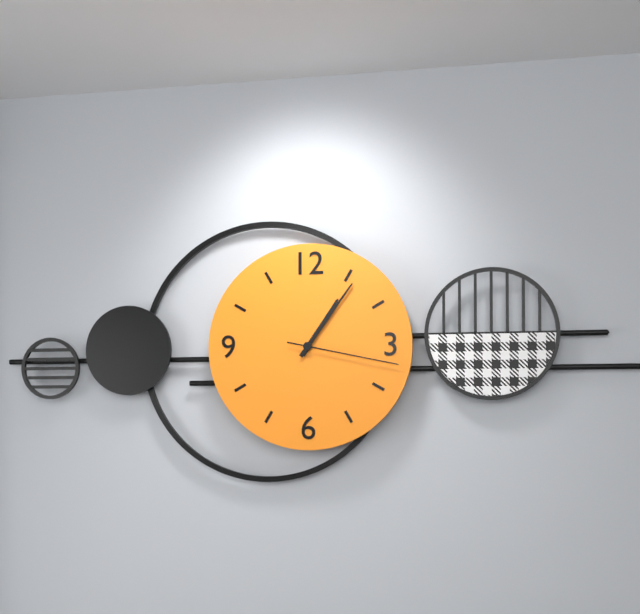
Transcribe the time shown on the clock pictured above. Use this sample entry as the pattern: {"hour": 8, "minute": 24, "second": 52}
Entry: {"hour": 1, "minute": 6, "second": 17}
